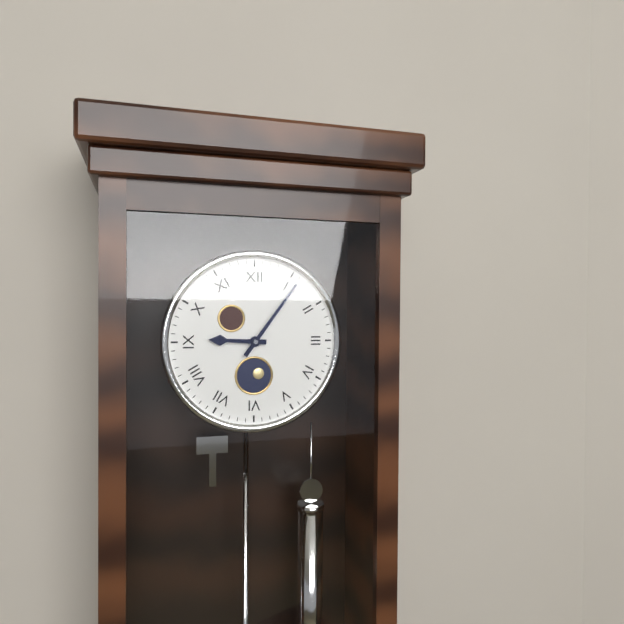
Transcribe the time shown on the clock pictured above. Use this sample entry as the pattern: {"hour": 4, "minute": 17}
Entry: {"hour": 9, "minute": 6}
